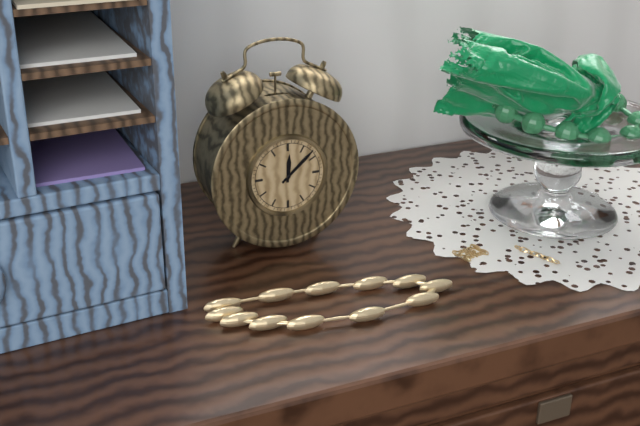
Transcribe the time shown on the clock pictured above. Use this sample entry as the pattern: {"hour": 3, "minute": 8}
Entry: {"hour": 12, "minute": 8}
